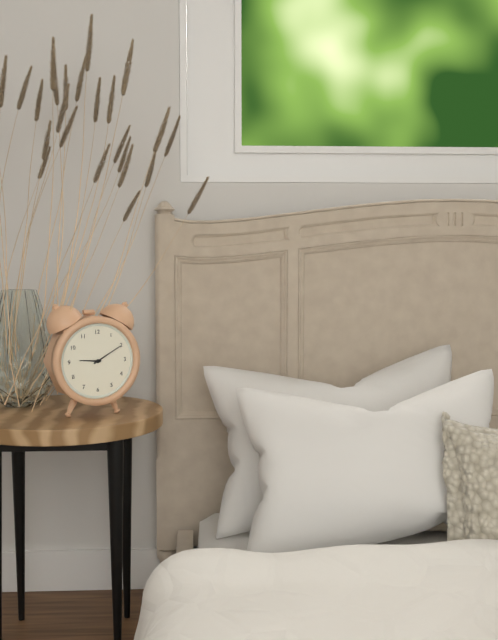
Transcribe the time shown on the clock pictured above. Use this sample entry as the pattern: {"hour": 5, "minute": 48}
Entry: {"hour": 9, "minute": 10}
